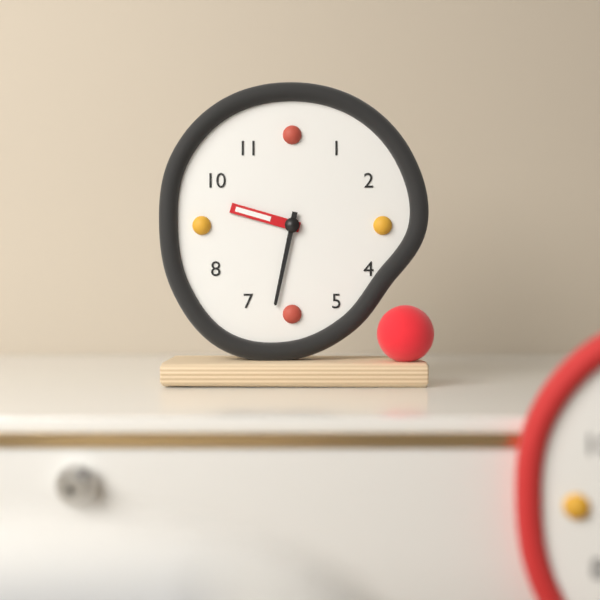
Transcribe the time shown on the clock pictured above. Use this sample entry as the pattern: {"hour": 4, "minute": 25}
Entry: {"hour": 9, "minute": 32}
